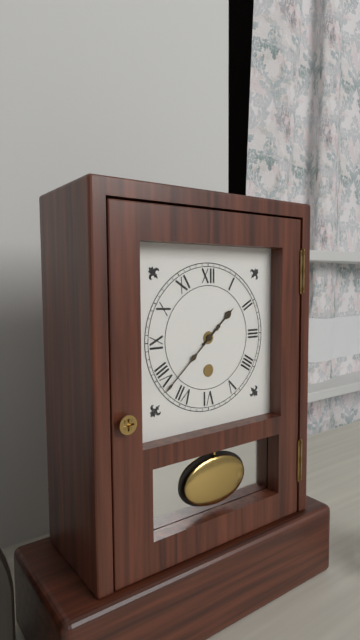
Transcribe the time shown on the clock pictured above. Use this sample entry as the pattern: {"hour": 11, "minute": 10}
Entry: {"hour": 1, "minute": 38}
